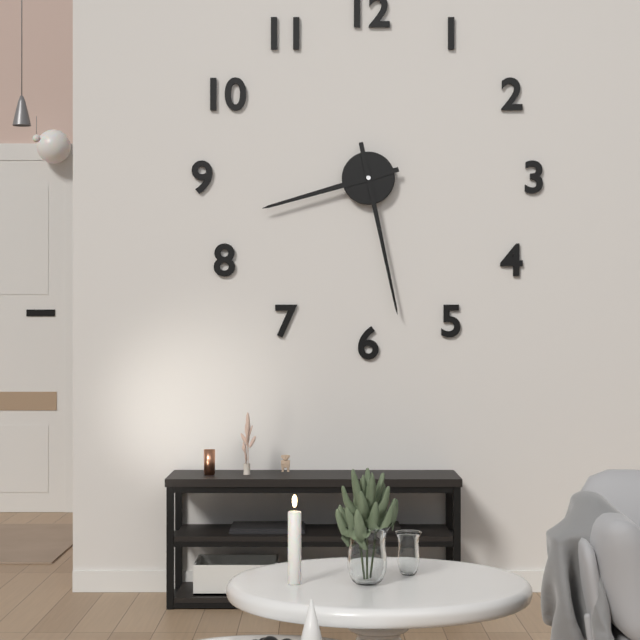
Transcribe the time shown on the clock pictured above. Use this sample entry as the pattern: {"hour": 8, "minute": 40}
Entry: {"hour": 8, "minute": 28}
